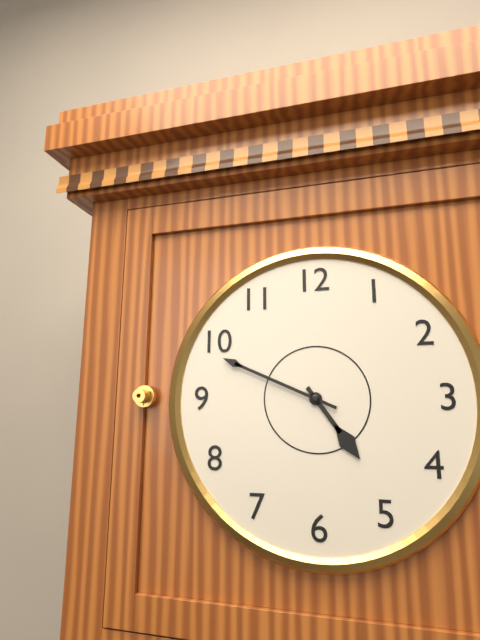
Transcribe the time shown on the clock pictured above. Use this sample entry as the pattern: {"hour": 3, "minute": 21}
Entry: {"hour": 4, "minute": 49}
